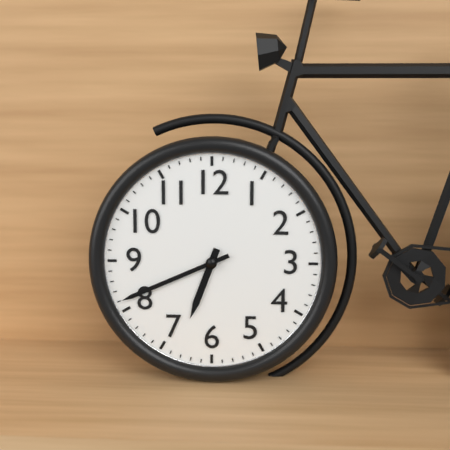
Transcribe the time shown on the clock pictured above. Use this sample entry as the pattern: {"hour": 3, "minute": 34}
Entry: {"hour": 6, "minute": 41}
